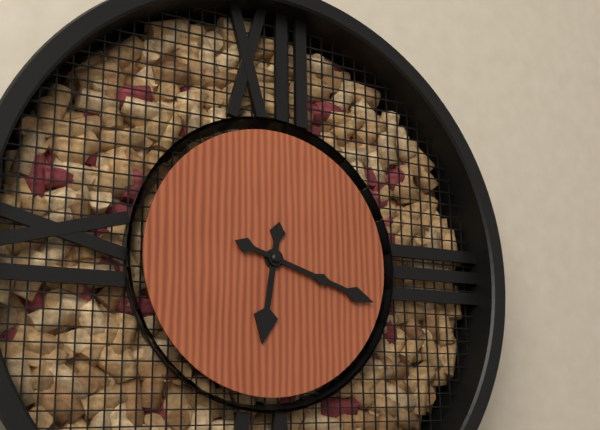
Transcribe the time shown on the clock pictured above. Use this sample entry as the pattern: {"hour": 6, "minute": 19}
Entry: {"hour": 6, "minute": 18}
